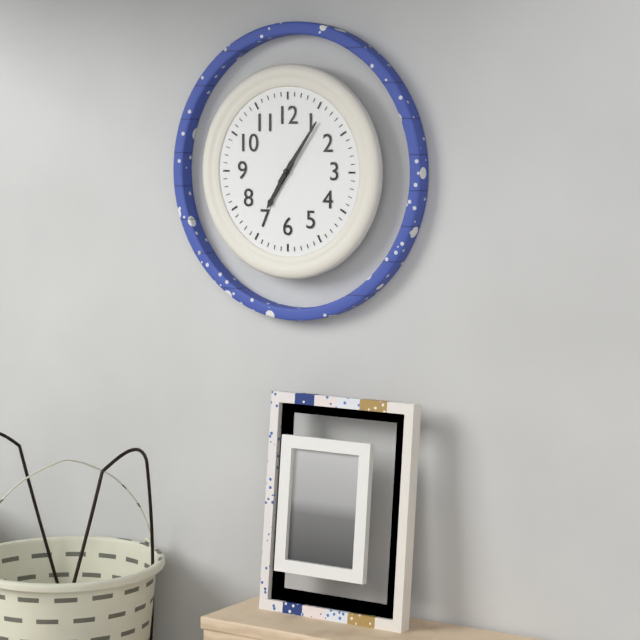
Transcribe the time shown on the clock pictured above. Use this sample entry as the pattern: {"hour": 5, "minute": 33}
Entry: {"hour": 7, "minute": 6}
